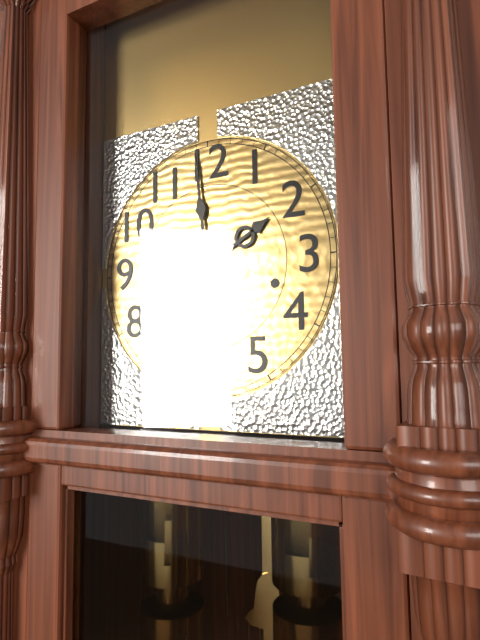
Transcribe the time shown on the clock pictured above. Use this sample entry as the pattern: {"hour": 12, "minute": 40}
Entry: {"hour": 1, "minute": 59}
